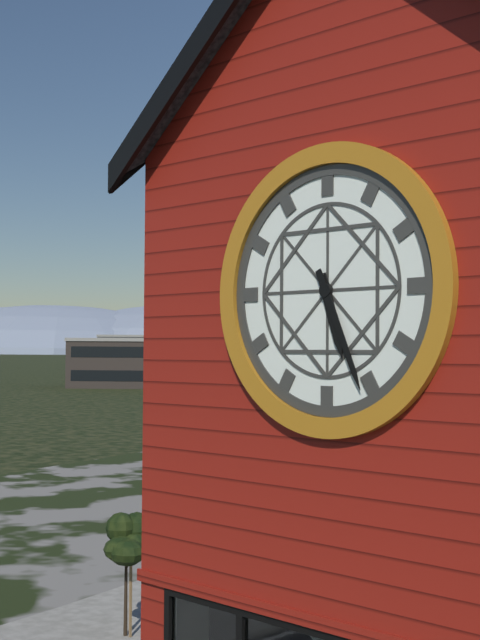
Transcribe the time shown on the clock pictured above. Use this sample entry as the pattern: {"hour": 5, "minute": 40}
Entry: {"hour": 5, "minute": 26}
